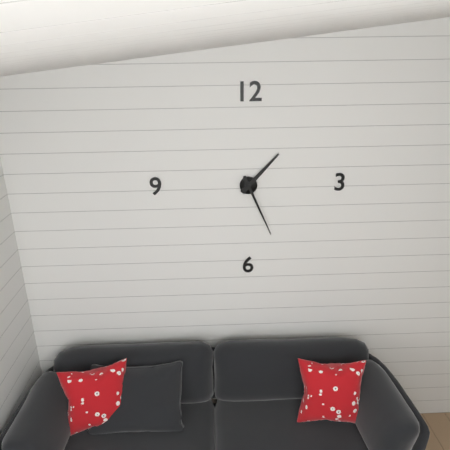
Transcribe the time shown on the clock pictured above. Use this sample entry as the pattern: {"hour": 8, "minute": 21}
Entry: {"hour": 1, "minute": 26}
